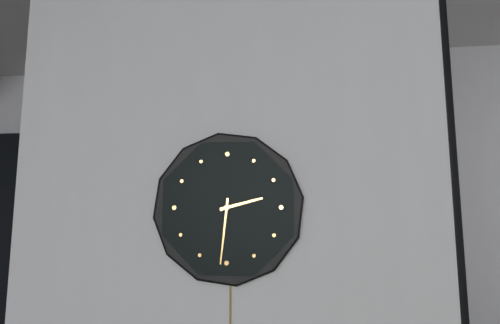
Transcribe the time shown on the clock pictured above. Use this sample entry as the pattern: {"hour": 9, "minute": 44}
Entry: {"hour": 2, "minute": 31}
